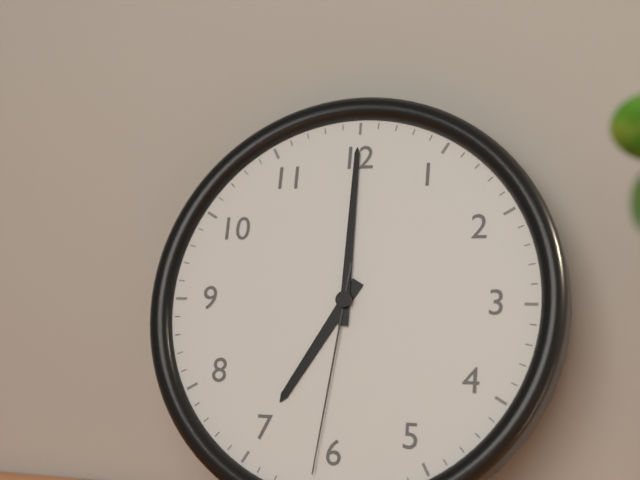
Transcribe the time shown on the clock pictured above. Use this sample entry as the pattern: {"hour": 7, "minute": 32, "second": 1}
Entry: {"hour": 7, "minute": 0, "second": 31}
